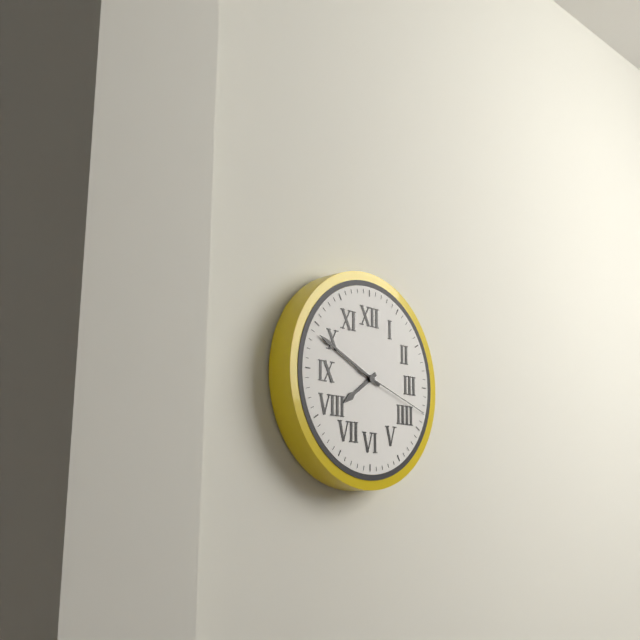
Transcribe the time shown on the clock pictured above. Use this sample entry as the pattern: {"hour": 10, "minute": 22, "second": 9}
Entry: {"hour": 7, "minute": 49, "second": 18}
